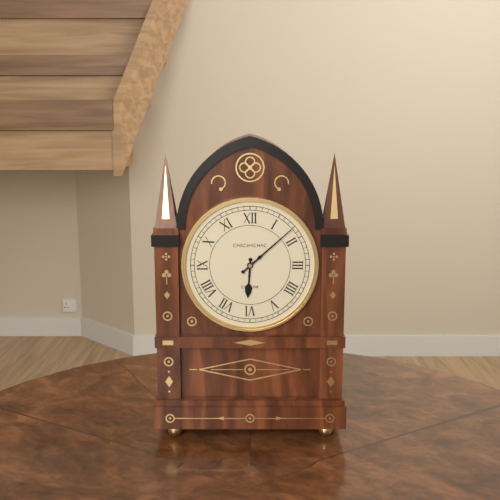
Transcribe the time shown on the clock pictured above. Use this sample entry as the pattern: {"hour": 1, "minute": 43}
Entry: {"hour": 6, "minute": 8}
